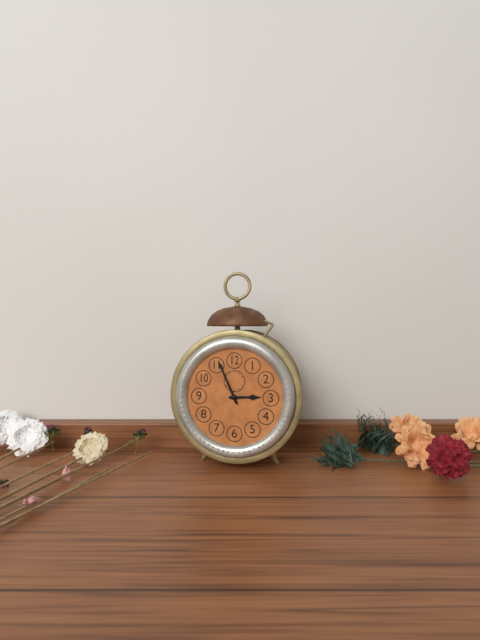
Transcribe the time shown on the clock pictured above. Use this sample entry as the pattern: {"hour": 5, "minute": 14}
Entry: {"hour": 2, "minute": 56}
